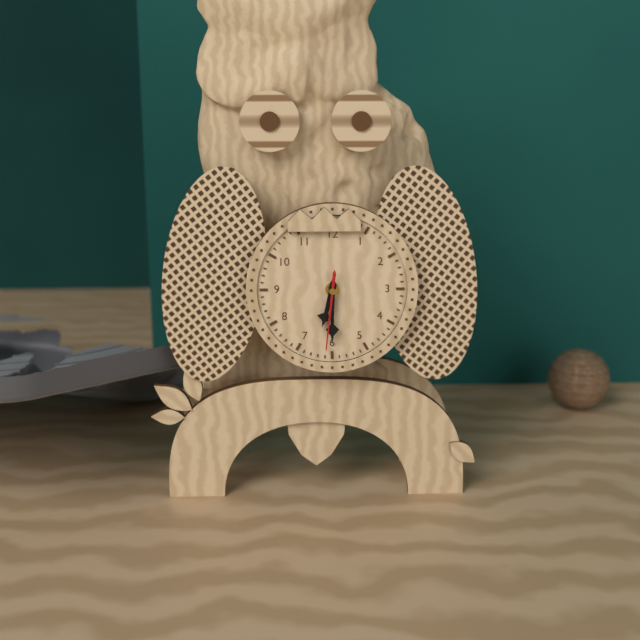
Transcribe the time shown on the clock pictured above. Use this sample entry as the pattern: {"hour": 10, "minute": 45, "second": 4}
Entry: {"hour": 6, "minute": 30, "second": 31}
